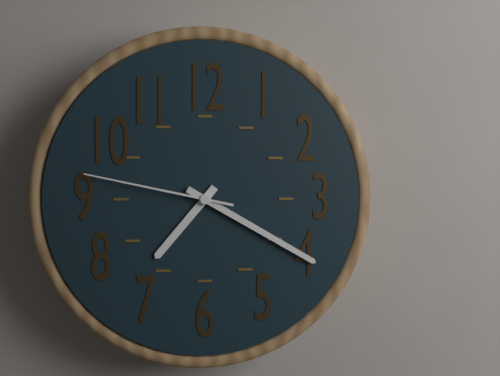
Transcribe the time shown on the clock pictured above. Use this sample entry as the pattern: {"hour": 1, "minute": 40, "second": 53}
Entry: {"hour": 7, "minute": 20, "second": 47}
